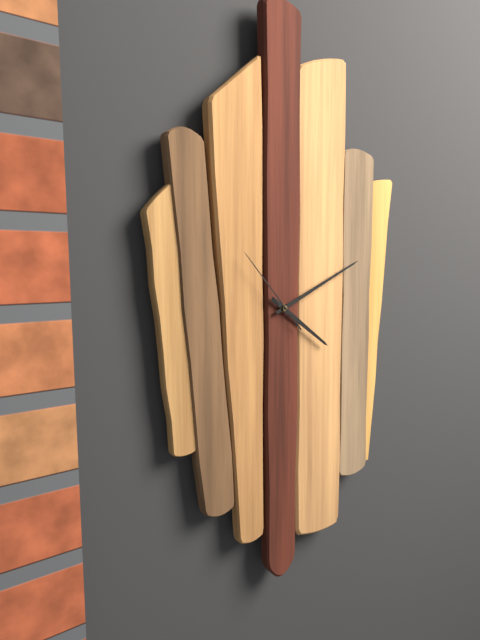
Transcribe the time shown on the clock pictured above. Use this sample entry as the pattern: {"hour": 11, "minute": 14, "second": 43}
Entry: {"hour": 4, "minute": 11, "second": 53}
